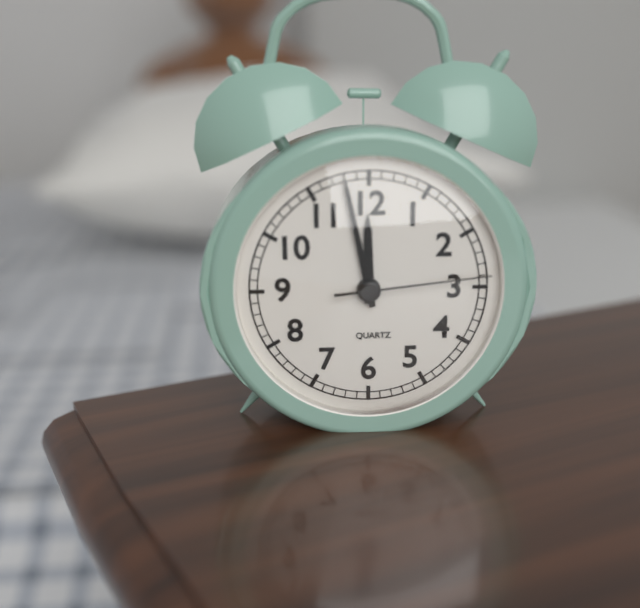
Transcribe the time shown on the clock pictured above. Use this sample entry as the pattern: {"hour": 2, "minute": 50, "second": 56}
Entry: {"hour": 11, "minute": 58, "second": 14}
